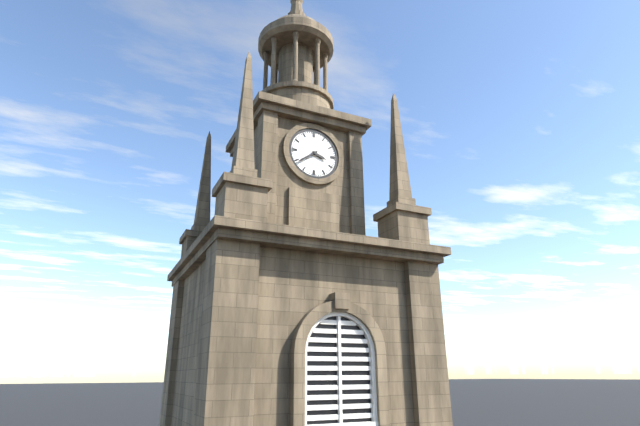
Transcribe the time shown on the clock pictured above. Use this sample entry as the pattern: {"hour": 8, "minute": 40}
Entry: {"hour": 3, "minute": 39}
